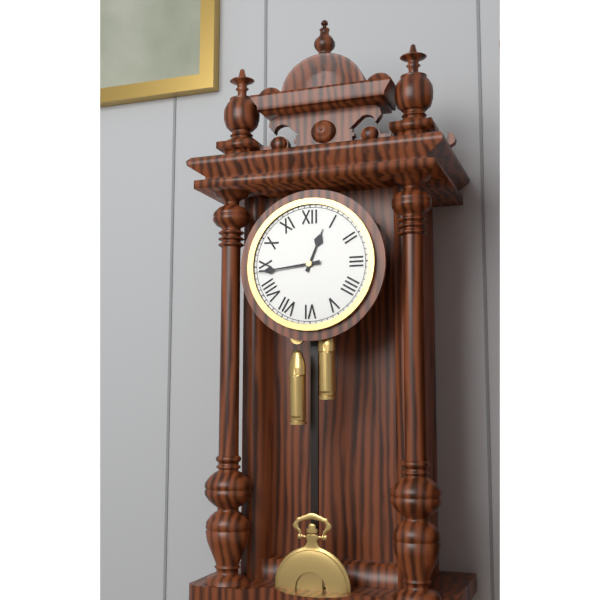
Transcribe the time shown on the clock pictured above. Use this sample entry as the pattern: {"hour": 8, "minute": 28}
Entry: {"hour": 12, "minute": 44}
